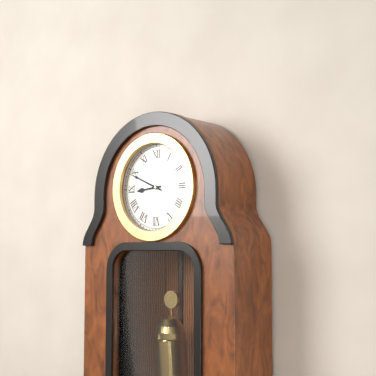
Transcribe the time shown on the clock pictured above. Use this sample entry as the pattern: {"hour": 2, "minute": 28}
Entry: {"hour": 8, "minute": 49}
